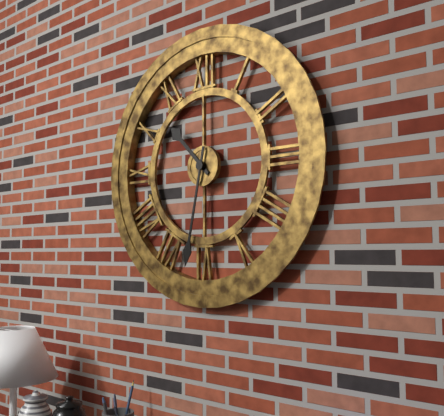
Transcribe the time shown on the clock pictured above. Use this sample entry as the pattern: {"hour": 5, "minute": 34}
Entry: {"hour": 10, "minute": 32}
